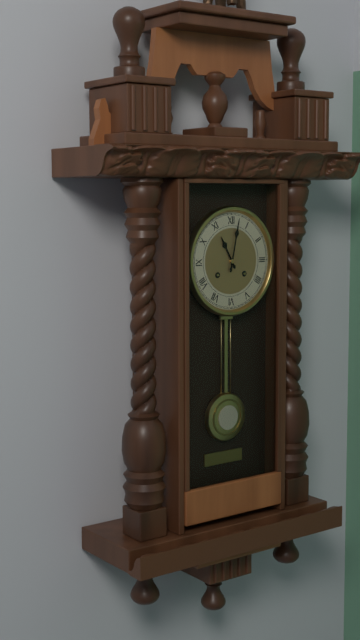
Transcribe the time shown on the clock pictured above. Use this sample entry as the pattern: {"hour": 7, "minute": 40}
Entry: {"hour": 11, "minute": 2}
